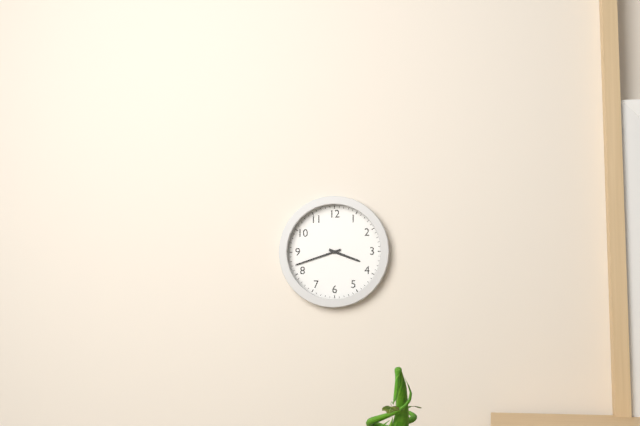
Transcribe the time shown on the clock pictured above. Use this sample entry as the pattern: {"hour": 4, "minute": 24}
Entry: {"hour": 3, "minute": 42}
